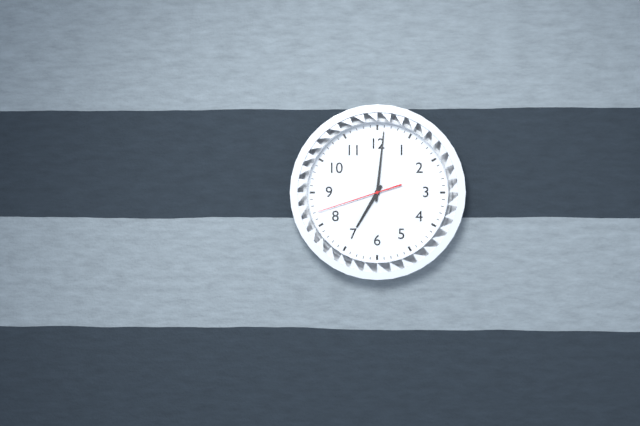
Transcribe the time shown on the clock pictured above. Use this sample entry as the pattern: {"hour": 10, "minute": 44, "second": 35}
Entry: {"hour": 7, "minute": 1, "second": 42}
